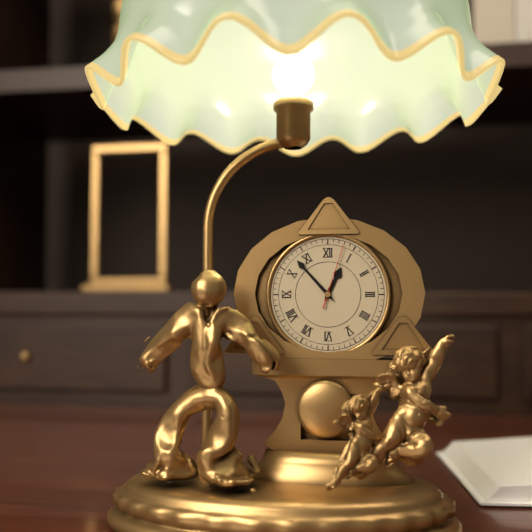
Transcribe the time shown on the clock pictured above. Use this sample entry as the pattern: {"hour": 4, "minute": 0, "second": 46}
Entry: {"hour": 12, "minute": 53, "second": 3}
